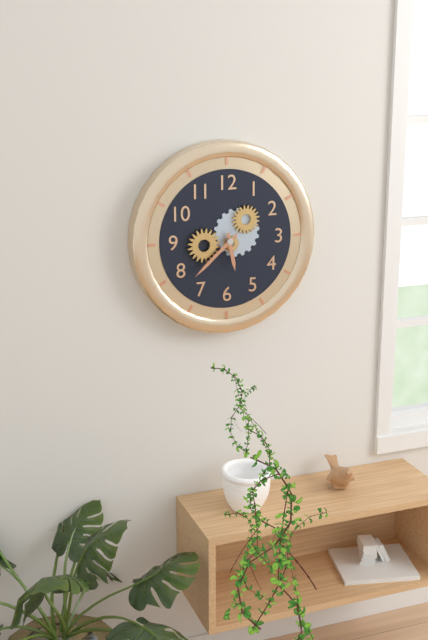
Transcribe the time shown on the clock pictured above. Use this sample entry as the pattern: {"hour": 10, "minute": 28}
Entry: {"hour": 5, "minute": 38}
